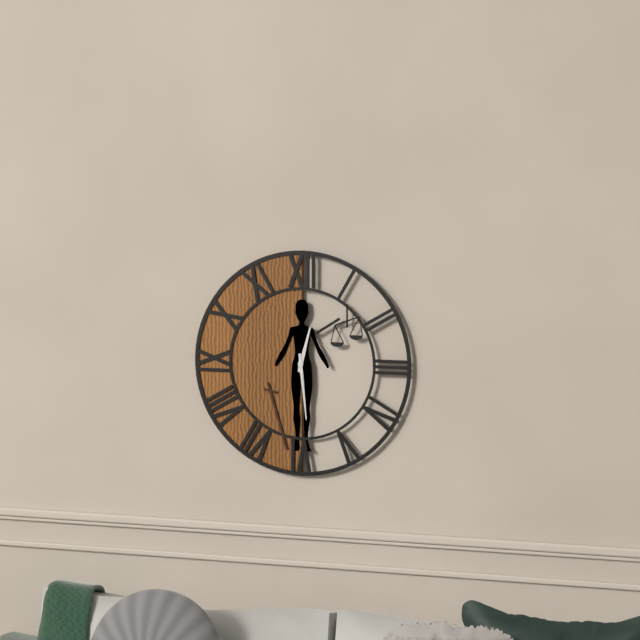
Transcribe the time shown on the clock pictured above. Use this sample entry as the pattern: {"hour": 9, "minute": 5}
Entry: {"hour": 12, "minute": 29}
